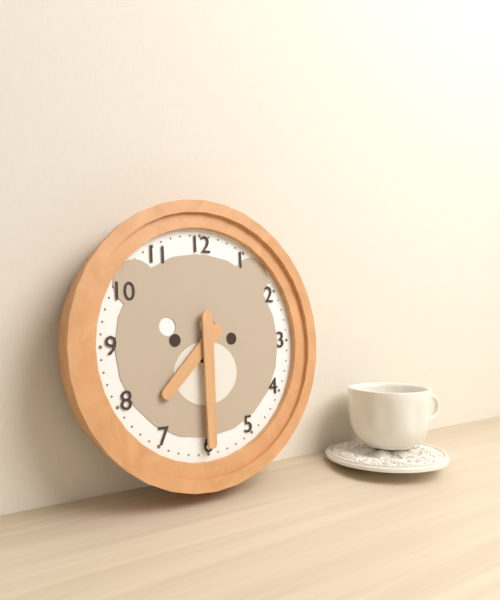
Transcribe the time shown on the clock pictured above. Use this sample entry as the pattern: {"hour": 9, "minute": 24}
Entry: {"hour": 7, "minute": 30}
